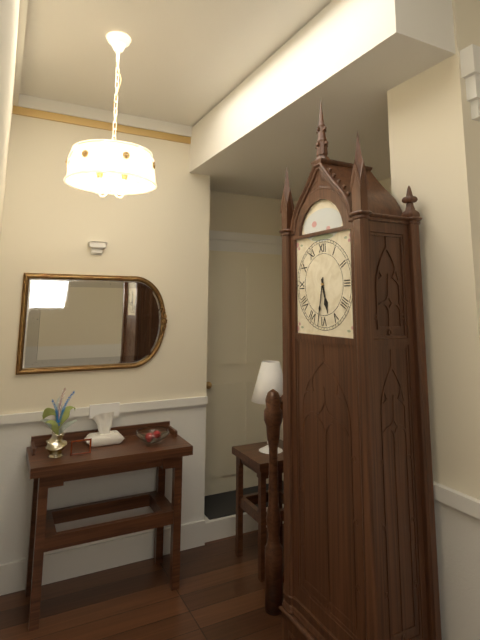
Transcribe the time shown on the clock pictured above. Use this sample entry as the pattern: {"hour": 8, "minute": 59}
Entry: {"hour": 5, "minute": 32}
